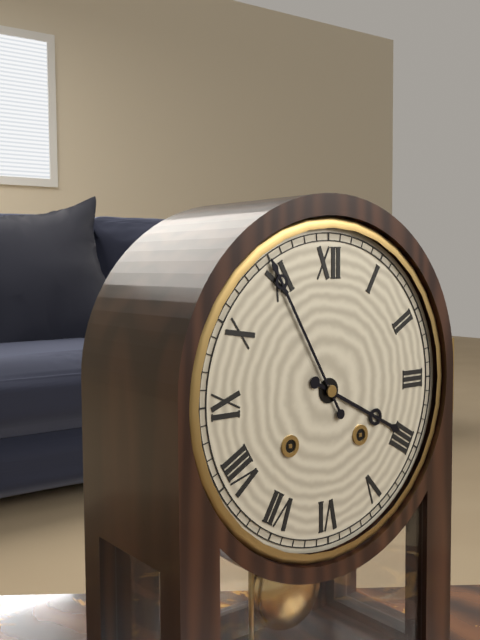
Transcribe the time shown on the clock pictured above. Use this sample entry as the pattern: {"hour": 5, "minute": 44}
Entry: {"hour": 3, "minute": 55}
